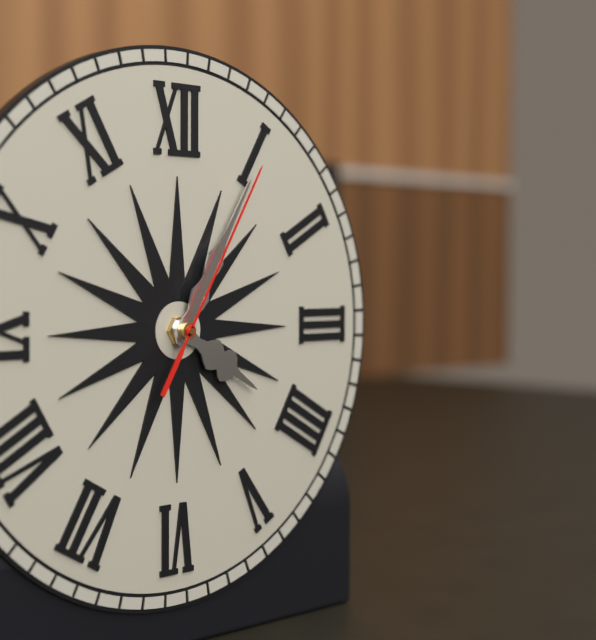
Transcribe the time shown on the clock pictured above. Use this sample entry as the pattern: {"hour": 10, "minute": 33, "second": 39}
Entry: {"hour": 4, "minute": 5, "second": 5}
